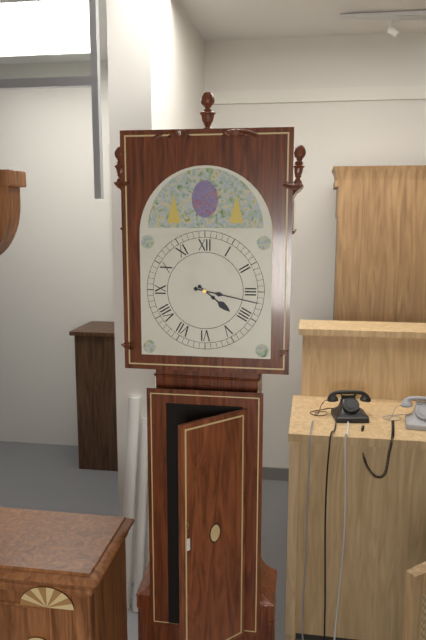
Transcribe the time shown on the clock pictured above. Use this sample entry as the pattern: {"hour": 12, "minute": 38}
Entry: {"hour": 4, "minute": 17}
